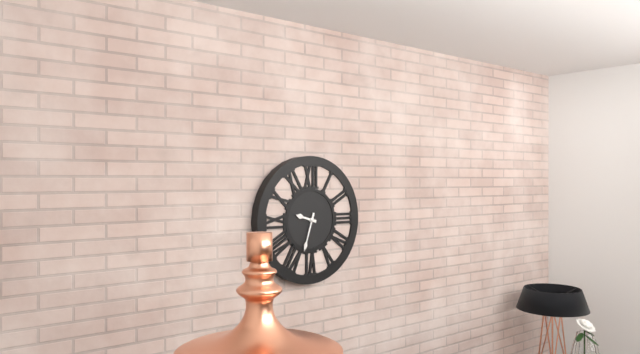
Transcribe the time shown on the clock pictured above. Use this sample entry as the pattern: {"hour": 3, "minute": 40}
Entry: {"hour": 9, "minute": 33}
